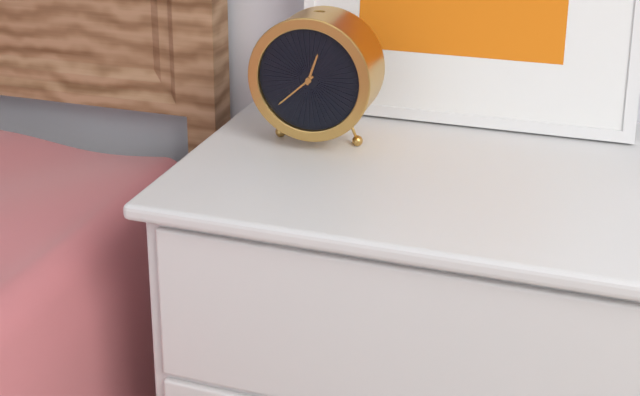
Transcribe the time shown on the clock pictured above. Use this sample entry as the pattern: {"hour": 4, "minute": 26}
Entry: {"hour": 12, "minute": 38}
